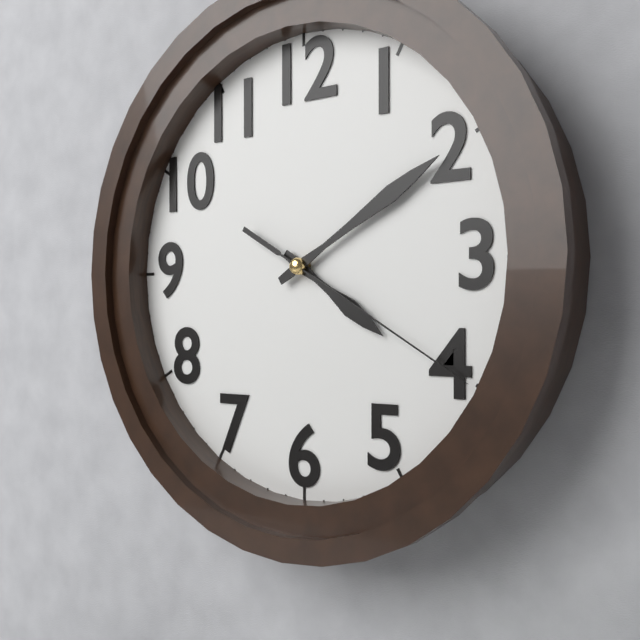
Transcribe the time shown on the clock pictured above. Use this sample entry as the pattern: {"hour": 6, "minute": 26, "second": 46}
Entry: {"hour": 4, "minute": 10, "second": 20}
